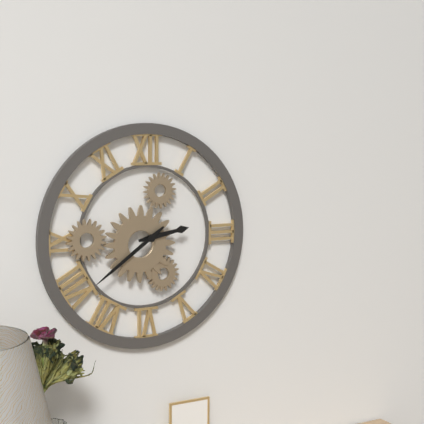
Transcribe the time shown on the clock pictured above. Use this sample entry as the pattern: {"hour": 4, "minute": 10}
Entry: {"hour": 2, "minute": 39}
